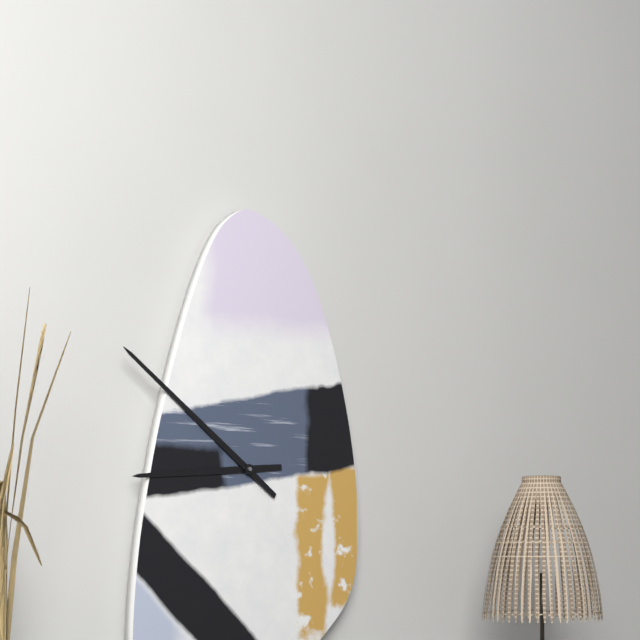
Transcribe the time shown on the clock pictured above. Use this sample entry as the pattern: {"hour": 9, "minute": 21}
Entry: {"hour": 8, "minute": 51}
